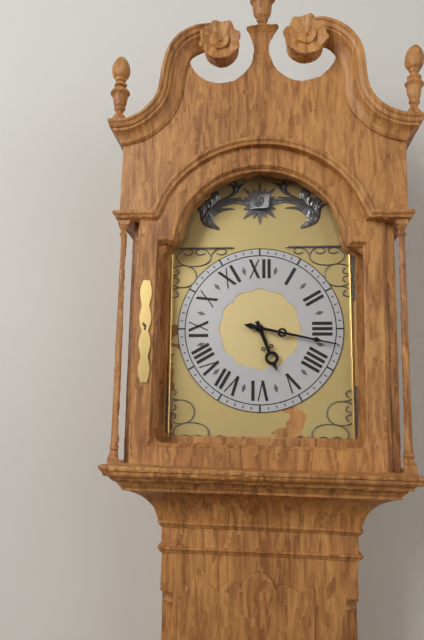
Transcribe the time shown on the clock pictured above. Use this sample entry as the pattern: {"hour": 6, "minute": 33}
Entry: {"hour": 5, "minute": 17}
